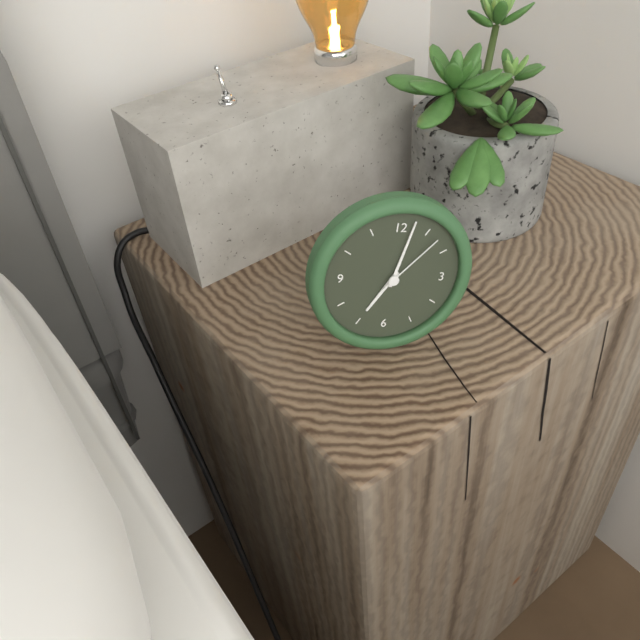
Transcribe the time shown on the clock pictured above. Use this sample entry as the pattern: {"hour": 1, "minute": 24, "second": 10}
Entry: {"hour": 7, "minute": 2, "second": 7}
